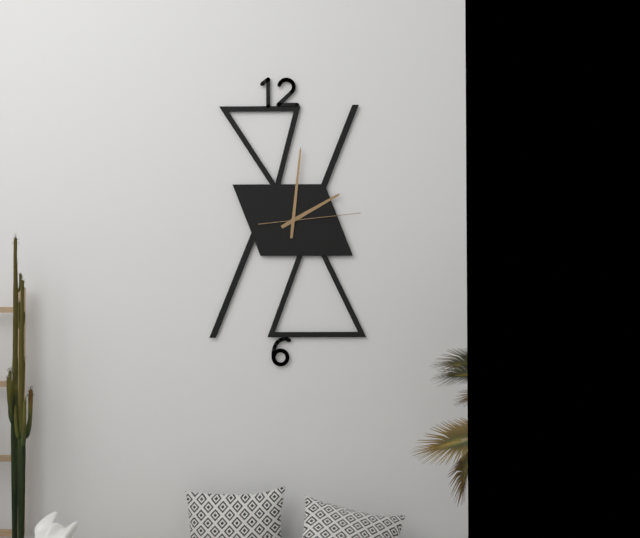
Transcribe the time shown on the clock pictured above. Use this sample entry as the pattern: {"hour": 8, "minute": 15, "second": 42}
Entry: {"hour": 2, "minute": 1, "second": 14}
